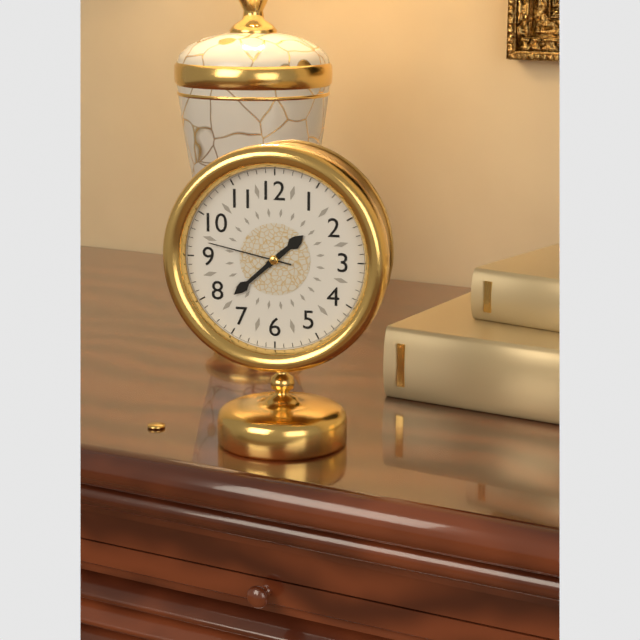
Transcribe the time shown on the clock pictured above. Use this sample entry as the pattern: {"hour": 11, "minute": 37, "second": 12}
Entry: {"hour": 1, "minute": 38, "second": 47}
